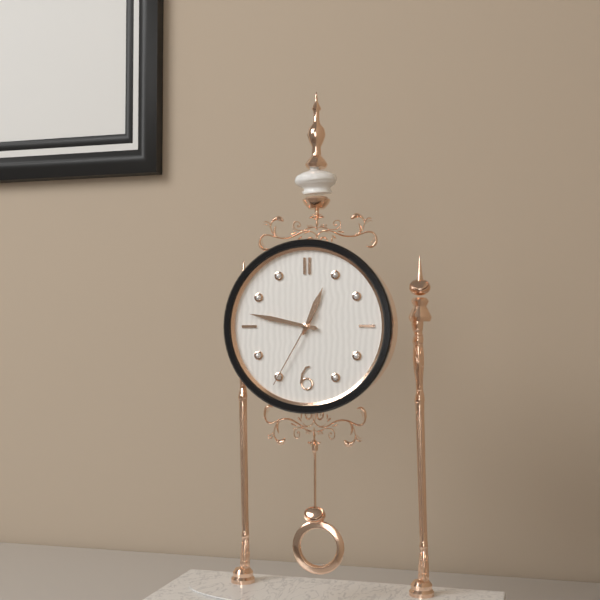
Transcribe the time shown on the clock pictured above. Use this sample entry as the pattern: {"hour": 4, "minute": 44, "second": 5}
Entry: {"hour": 12, "minute": 47, "second": 35}
